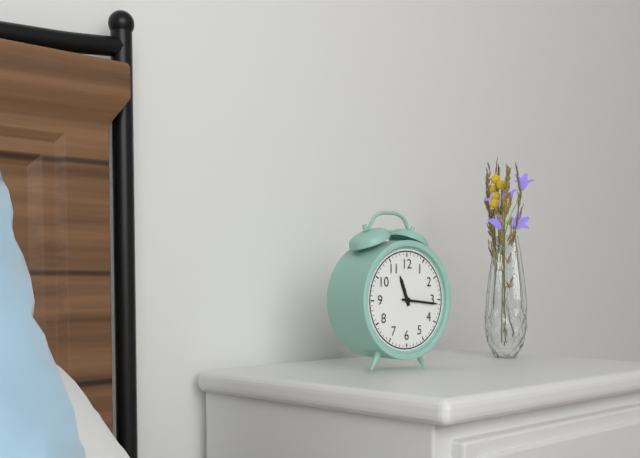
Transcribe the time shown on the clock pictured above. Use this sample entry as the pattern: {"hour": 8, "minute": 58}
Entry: {"hour": 11, "minute": 16}
